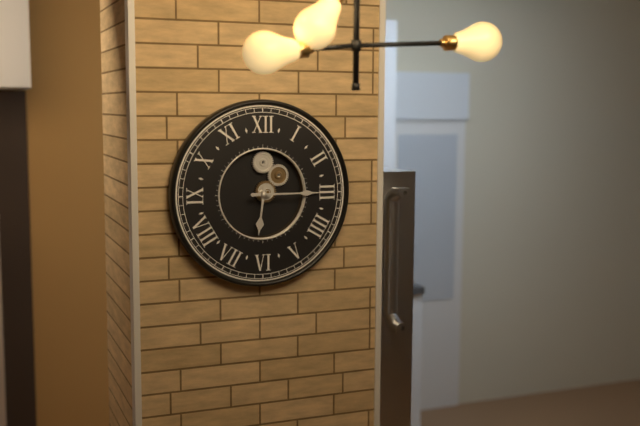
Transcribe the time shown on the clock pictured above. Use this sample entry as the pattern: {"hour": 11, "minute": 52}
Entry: {"hour": 6, "minute": 15}
